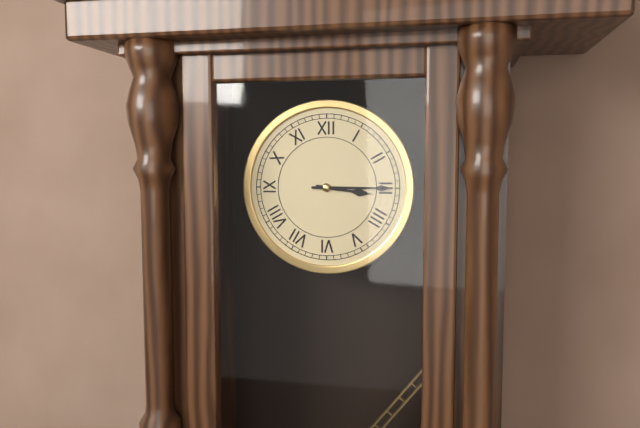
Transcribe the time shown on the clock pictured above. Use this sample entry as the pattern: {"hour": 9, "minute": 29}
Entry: {"hour": 3, "minute": 15}
